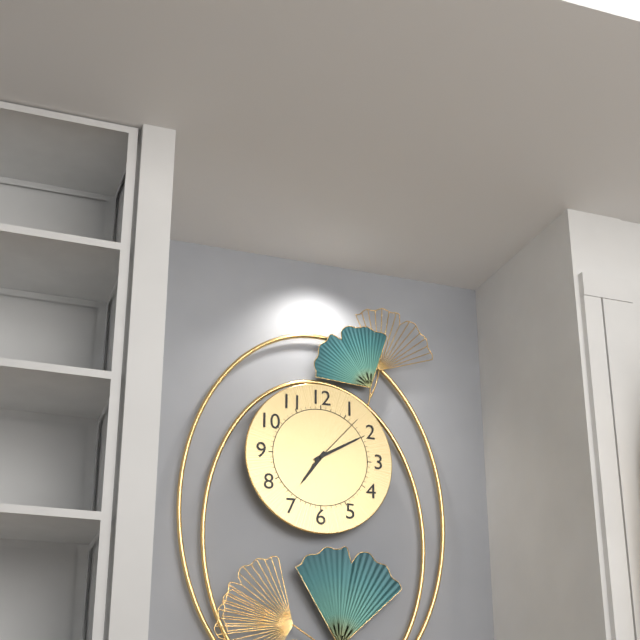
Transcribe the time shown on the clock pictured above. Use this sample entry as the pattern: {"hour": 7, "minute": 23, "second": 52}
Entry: {"hour": 7, "minute": 10, "second": 7}
